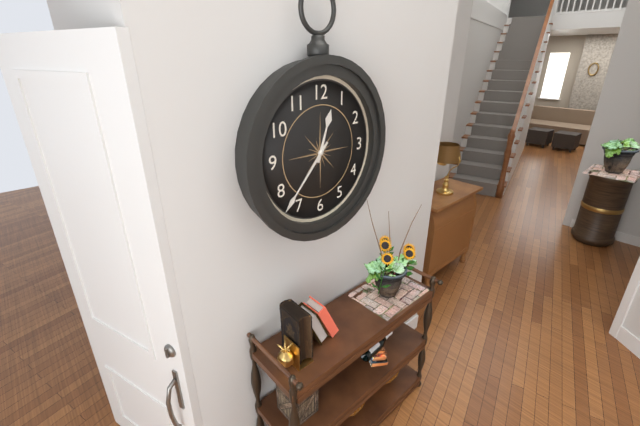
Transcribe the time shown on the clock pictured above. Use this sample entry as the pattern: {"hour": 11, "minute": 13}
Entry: {"hour": 12, "minute": 37}
